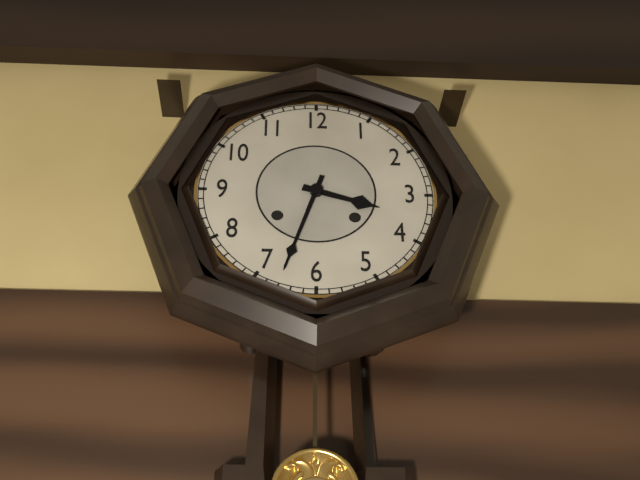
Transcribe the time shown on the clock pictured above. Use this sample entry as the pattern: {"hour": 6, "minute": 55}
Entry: {"hour": 3, "minute": 33}
